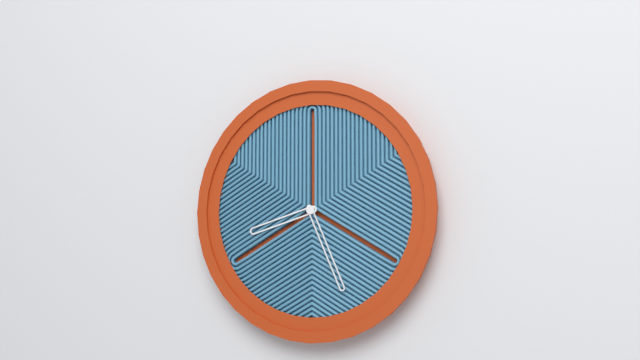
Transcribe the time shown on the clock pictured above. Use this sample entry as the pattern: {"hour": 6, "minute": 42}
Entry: {"hour": 8, "minute": 26}
